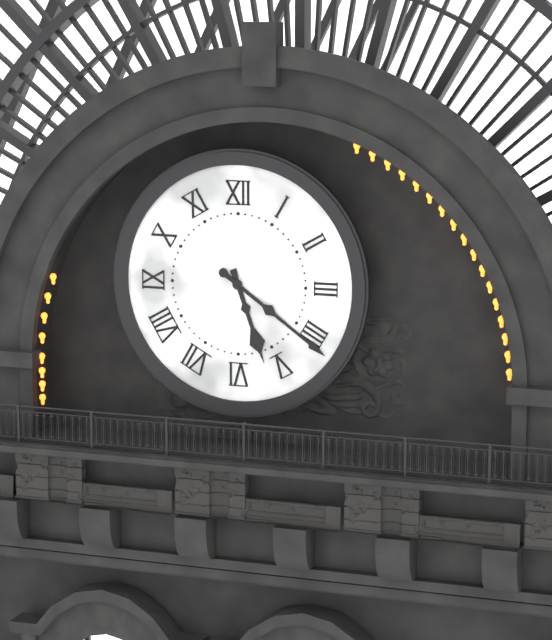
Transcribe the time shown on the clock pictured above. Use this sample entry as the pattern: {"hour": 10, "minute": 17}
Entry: {"hour": 5, "minute": 21}
